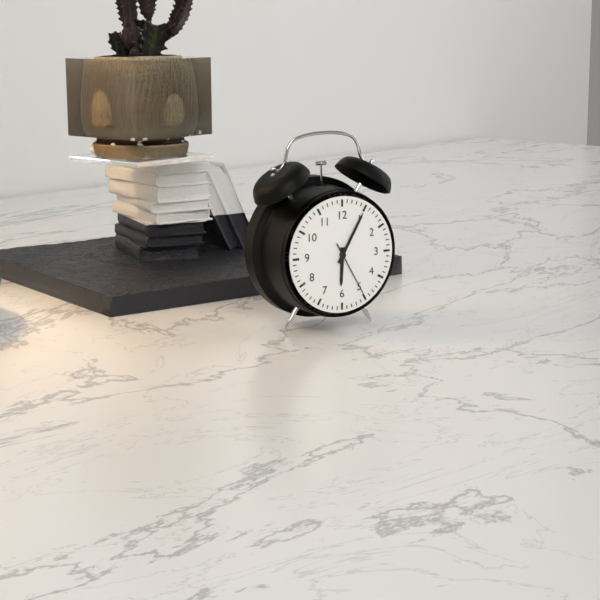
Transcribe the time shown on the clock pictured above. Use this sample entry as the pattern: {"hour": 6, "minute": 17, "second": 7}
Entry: {"hour": 6, "minute": 5, "second": 25}
